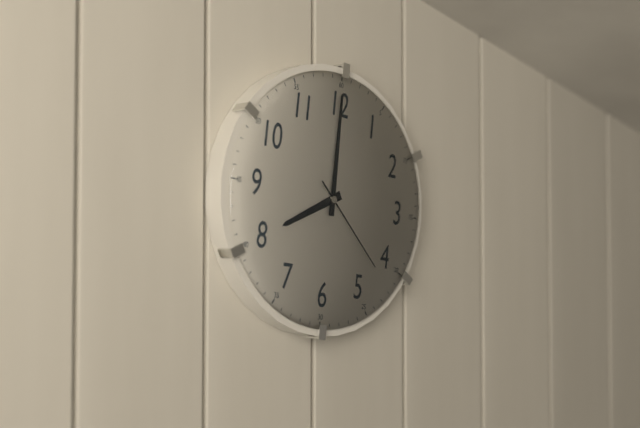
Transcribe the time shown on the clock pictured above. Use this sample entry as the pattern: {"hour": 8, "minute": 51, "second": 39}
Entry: {"hour": 8, "minute": 0, "second": 22}
